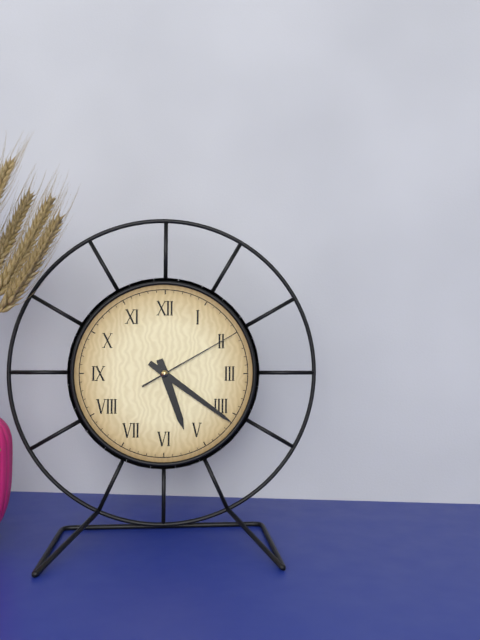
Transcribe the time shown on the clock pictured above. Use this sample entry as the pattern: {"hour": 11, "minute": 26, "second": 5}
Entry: {"hour": 5, "minute": 21, "second": 10}
